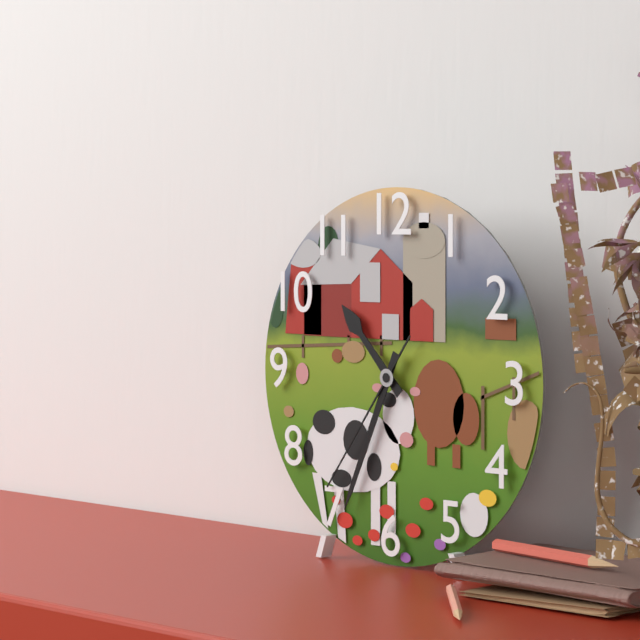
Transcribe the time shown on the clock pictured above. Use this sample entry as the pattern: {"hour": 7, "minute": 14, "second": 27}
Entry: {"hour": 10, "minute": 34, "second": 36}
